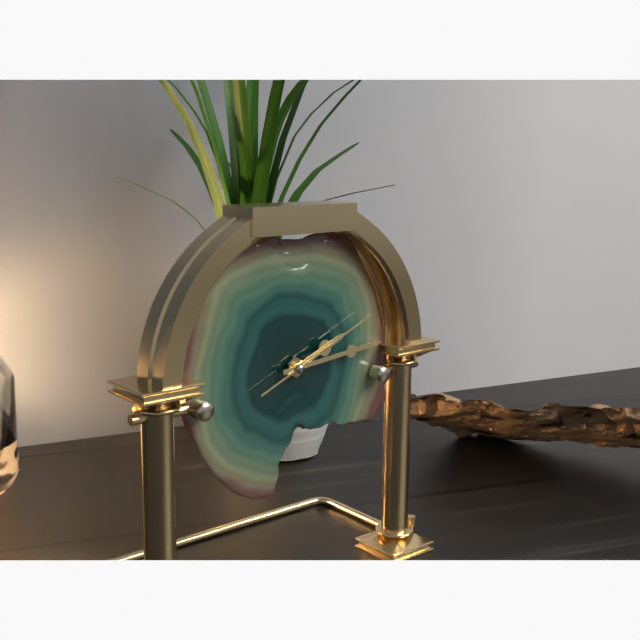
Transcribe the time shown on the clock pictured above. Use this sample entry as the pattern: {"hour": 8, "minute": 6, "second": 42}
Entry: {"hour": 2, "minute": 14, "second": 11}
